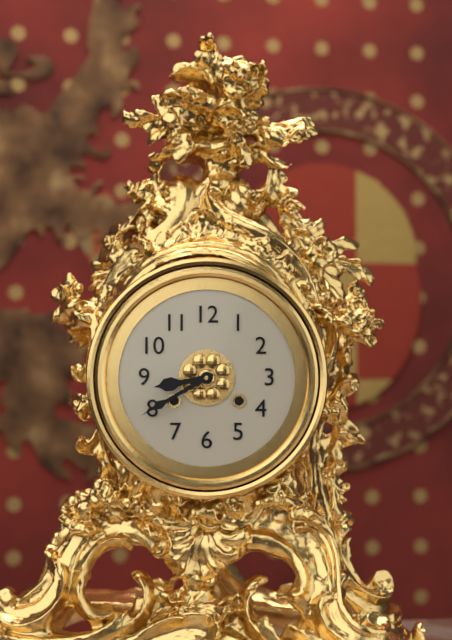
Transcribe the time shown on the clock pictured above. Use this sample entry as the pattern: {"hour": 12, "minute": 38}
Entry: {"hour": 8, "minute": 40}
